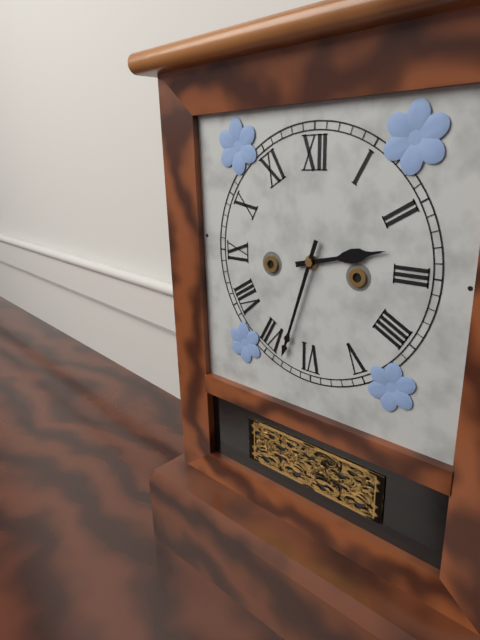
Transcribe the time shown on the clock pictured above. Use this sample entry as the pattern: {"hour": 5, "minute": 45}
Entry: {"hour": 2, "minute": 33}
